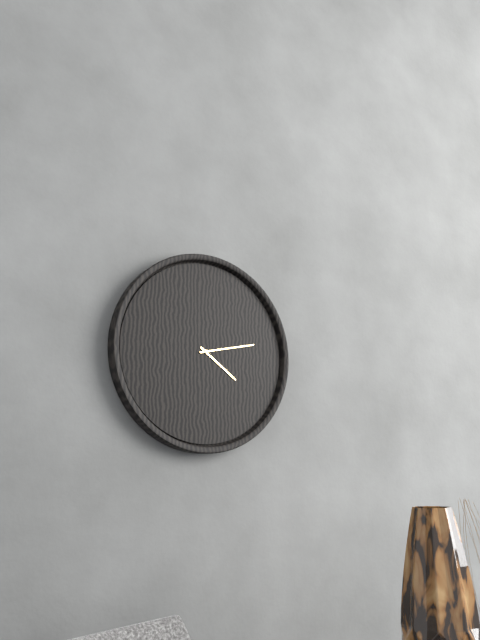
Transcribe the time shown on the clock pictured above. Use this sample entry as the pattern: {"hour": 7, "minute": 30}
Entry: {"hour": 4, "minute": 13}
